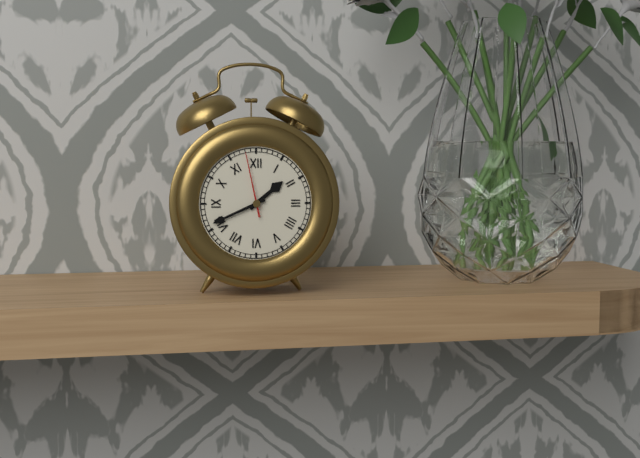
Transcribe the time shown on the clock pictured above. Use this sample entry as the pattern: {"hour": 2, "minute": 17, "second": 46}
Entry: {"hour": 1, "minute": 41, "second": 58}
